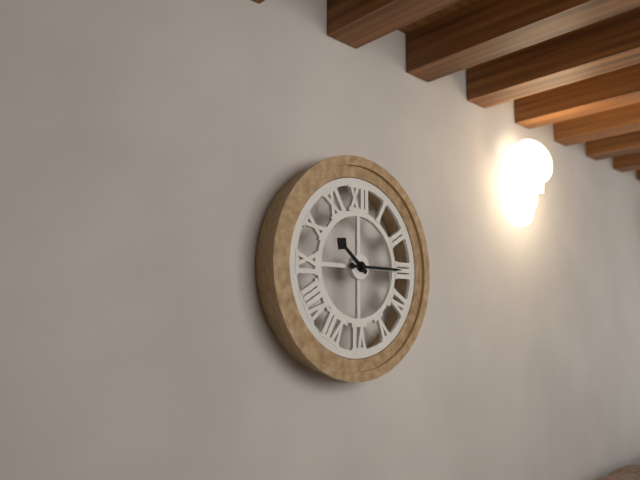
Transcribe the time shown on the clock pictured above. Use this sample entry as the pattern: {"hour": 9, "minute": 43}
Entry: {"hour": 10, "minute": 15}
